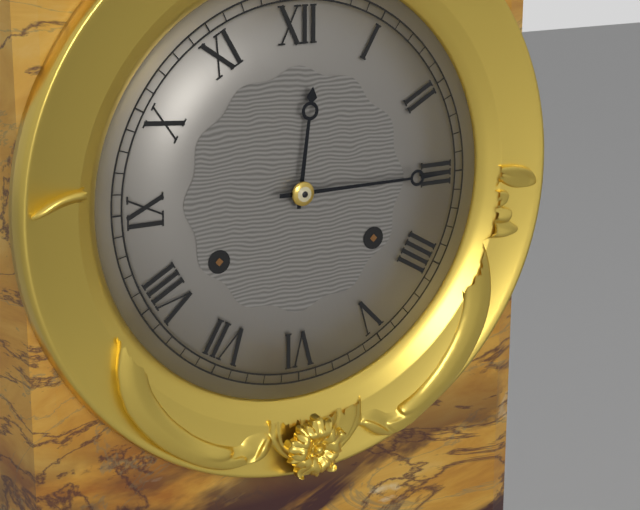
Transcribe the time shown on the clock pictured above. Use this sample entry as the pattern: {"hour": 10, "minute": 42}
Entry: {"hour": 12, "minute": 15}
